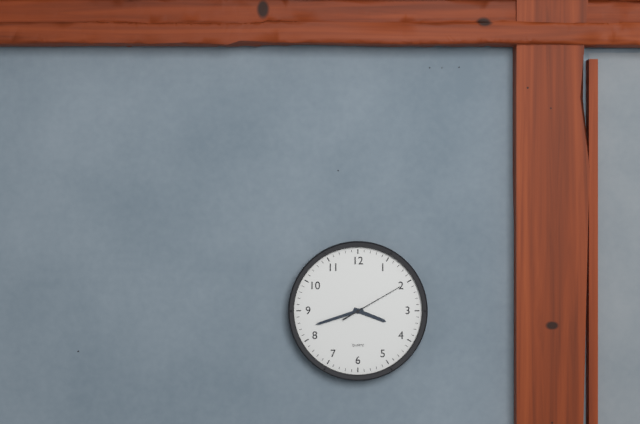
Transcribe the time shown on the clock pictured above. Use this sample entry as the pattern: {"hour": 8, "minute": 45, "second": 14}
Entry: {"hour": 3, "minute": 42, "second": 10}
